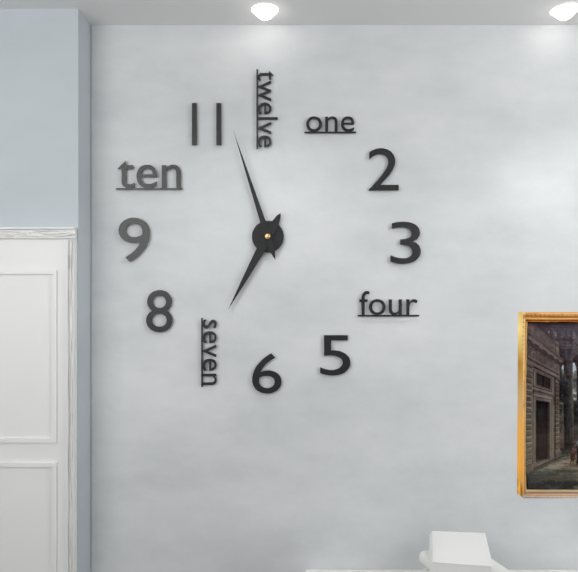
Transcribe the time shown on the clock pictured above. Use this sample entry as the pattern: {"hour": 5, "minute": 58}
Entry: {"hour": 6, "minute": 57}
